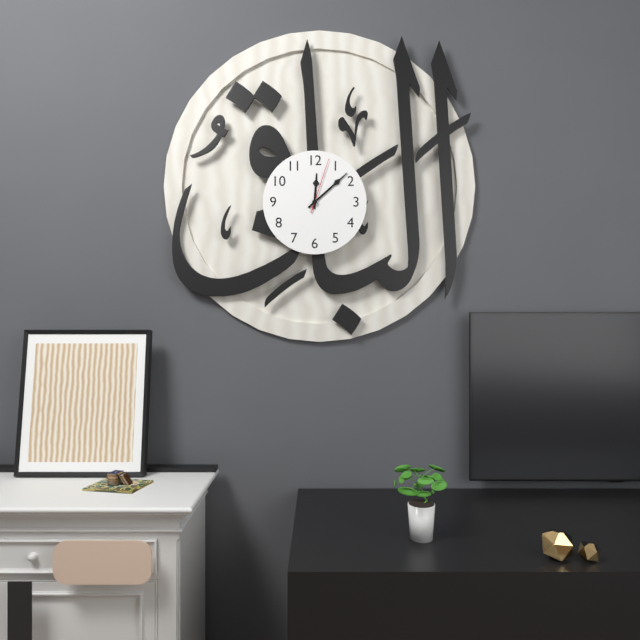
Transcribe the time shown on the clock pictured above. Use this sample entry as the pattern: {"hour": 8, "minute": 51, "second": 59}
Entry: {"hour": 12, "minute": 8, "second": 3}
